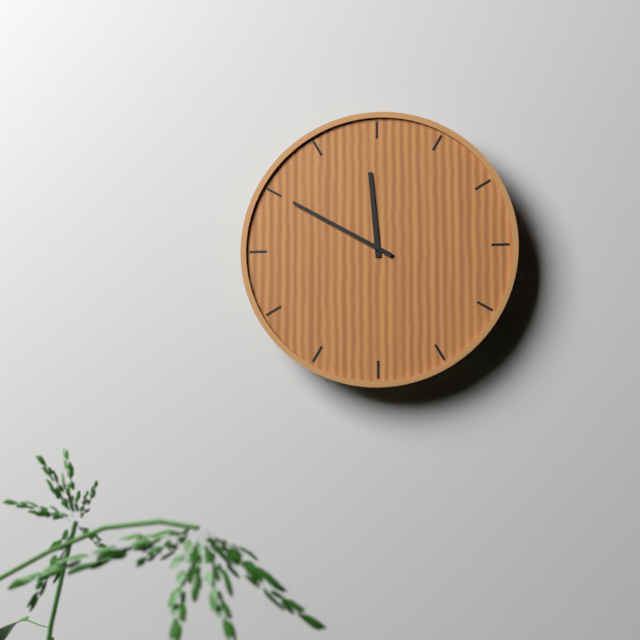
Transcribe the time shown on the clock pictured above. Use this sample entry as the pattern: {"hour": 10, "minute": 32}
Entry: {"hour": 11, "minute": 50}
